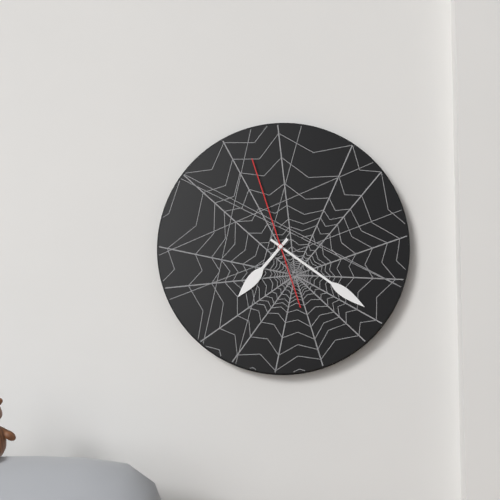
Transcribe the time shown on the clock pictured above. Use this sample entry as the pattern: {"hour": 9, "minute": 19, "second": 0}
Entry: {"hour": 7, "minute": 21, "second": 57}
